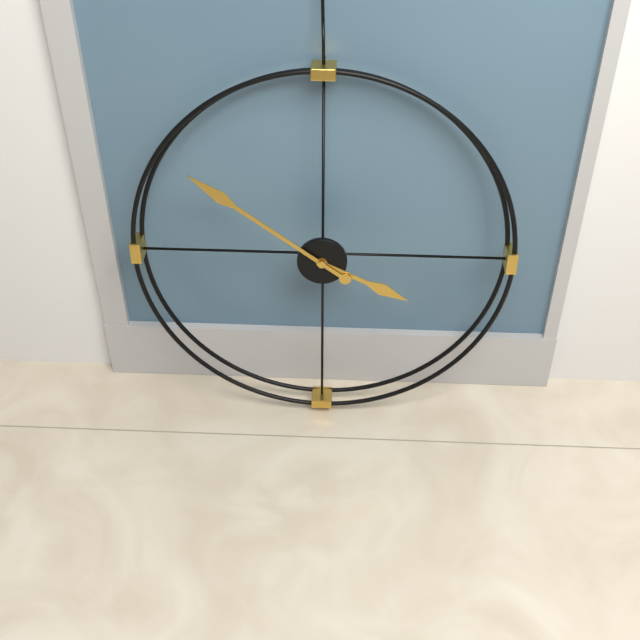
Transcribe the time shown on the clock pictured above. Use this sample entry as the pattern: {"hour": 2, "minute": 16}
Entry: {"hour": 3, "minute": 51}
